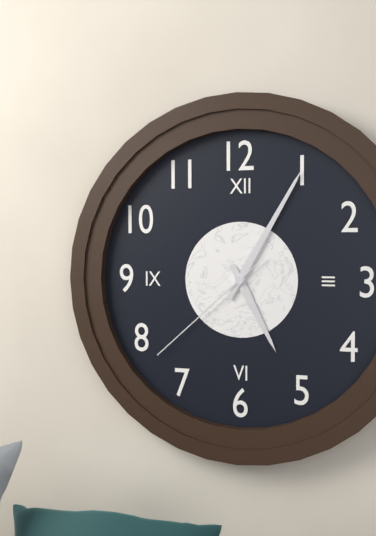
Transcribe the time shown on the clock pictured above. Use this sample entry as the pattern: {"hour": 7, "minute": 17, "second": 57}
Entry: {"hour": 5, "minute": 5, "second": 38}
